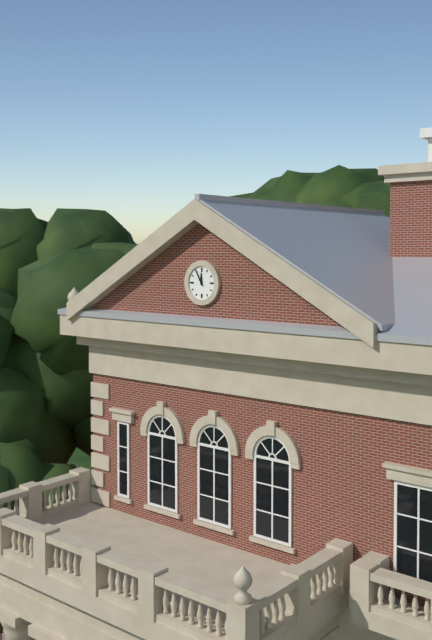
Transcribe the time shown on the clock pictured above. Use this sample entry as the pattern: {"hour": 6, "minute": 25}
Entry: {"hour": 11, "minute": 55}
